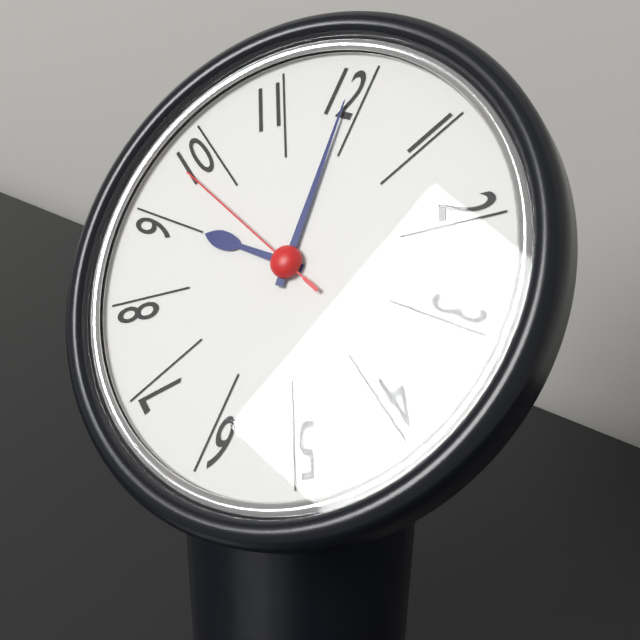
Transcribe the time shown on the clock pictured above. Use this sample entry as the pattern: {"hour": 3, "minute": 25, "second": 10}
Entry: {"hour": 8, "minute": 59, "second": 48}
